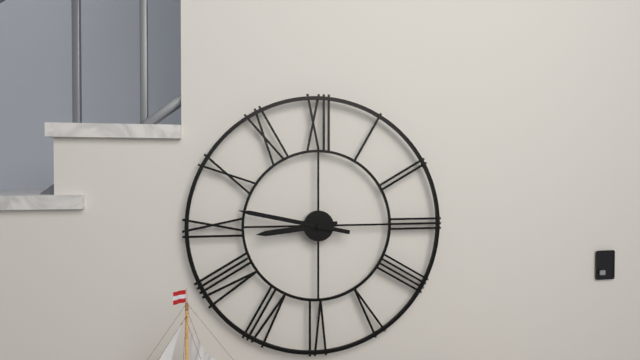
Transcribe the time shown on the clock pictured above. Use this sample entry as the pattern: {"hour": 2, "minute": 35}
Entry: {"hour": 8, "minute": 47}
